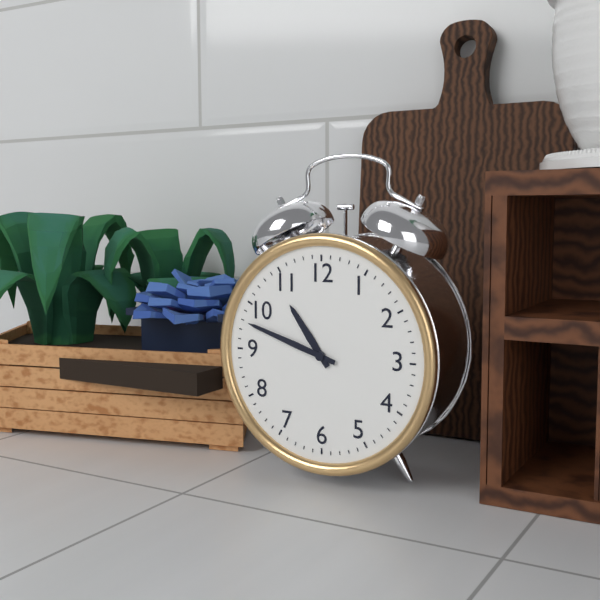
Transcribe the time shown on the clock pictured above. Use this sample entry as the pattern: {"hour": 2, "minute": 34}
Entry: {"hour": 10, "minute": 48}
